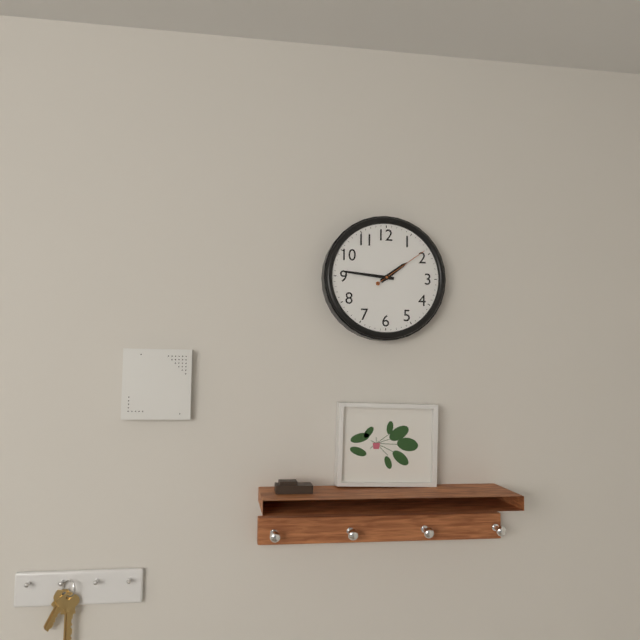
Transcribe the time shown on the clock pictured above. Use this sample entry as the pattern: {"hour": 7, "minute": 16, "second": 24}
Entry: {"hour": 1, "minute": 46, "second": 9}
